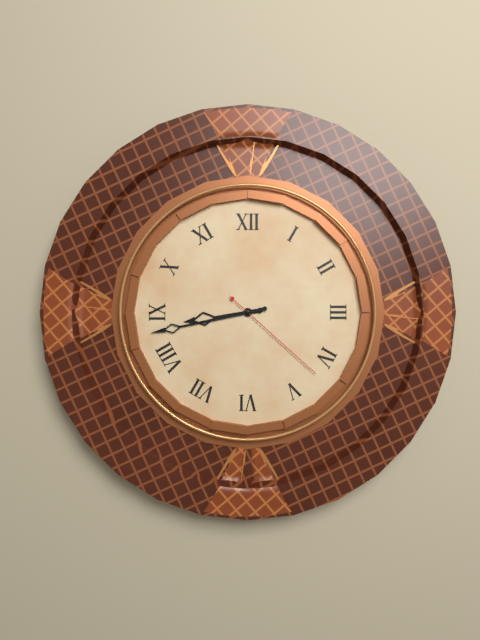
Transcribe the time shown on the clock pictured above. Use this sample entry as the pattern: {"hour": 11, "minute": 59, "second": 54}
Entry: {"hour": 8, "minute": 43, "second": 22}
